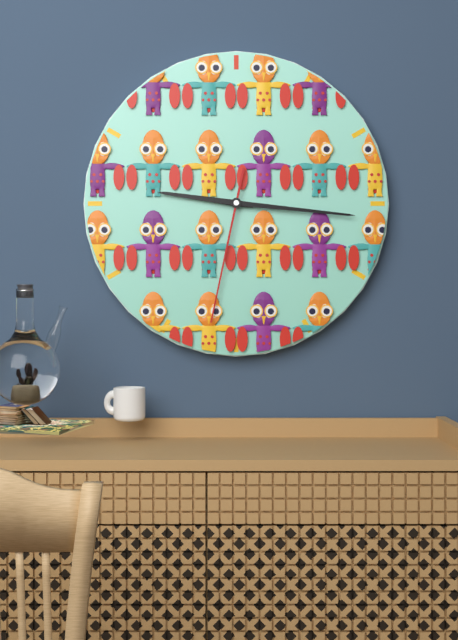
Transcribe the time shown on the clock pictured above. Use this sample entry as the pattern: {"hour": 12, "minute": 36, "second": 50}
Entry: {"hour": 9, "minute": 16, "second": 32}
